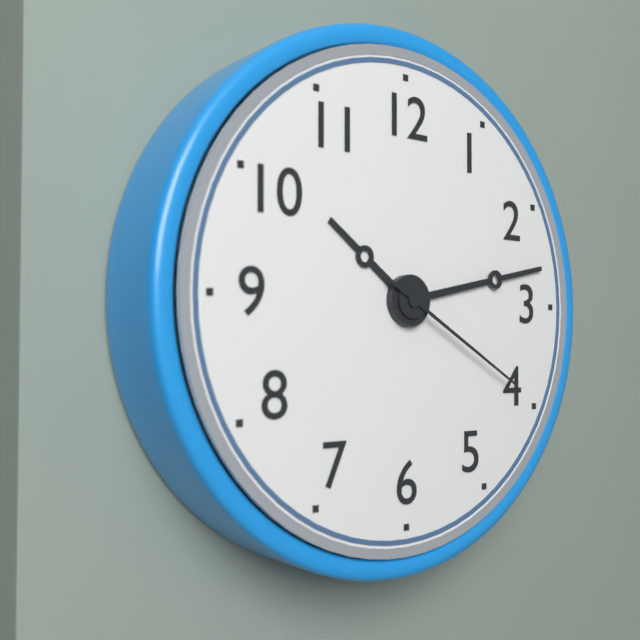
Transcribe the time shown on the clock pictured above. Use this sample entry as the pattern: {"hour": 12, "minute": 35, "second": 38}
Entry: {"hour": 10, "minute": 13, "second": 20}
